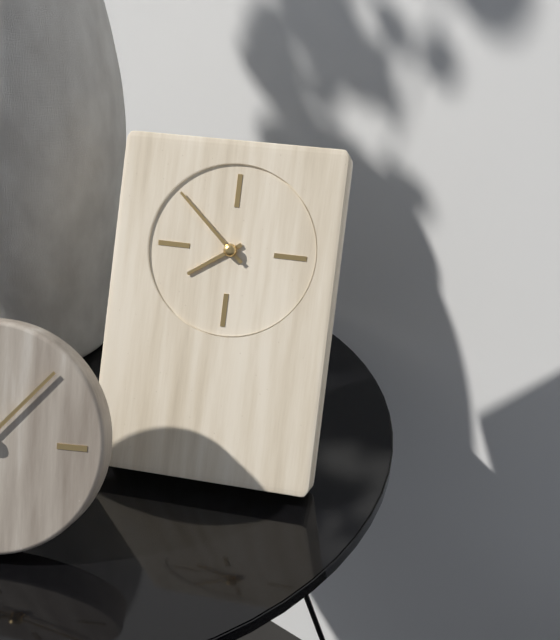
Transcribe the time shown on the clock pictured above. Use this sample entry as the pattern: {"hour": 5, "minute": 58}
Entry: {"hour": 7, "minute": 52}
